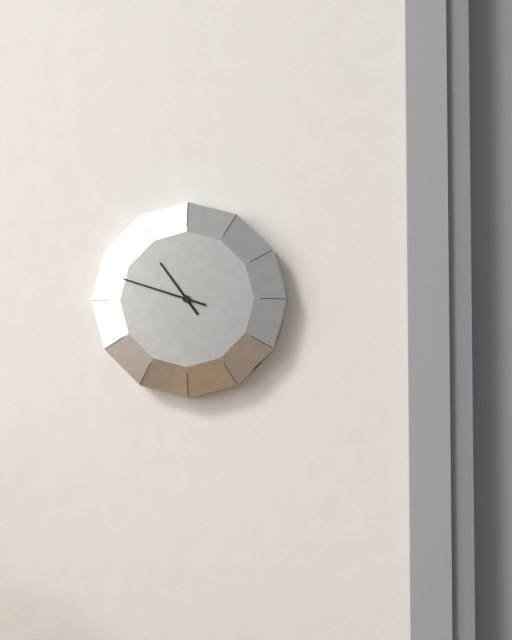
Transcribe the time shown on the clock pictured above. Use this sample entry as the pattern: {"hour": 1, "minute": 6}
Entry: {"hour": 10, "minute": 48}
